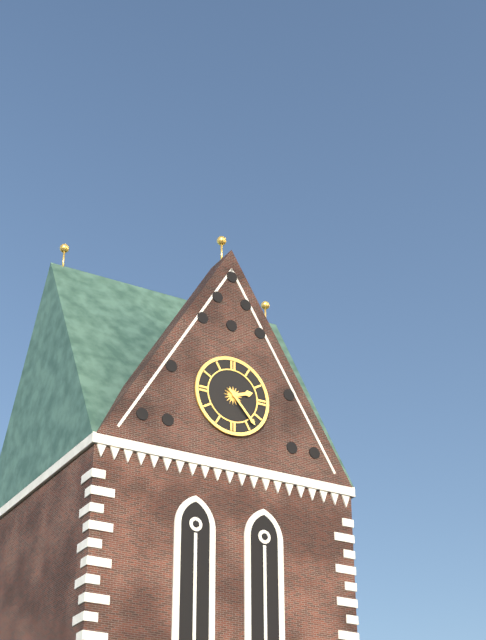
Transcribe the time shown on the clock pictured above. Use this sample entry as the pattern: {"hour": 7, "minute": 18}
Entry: {"hour": 2, "minute": 23}
